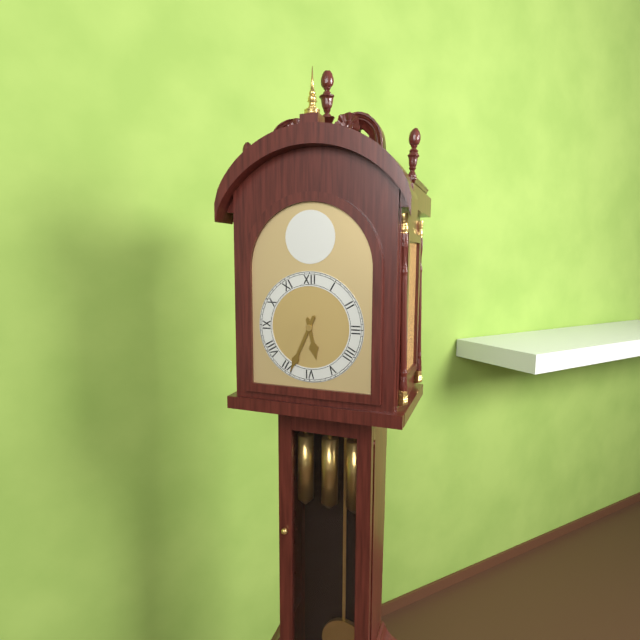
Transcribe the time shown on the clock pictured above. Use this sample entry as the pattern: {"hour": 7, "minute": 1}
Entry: {"hour": 5, "minute": 34}
